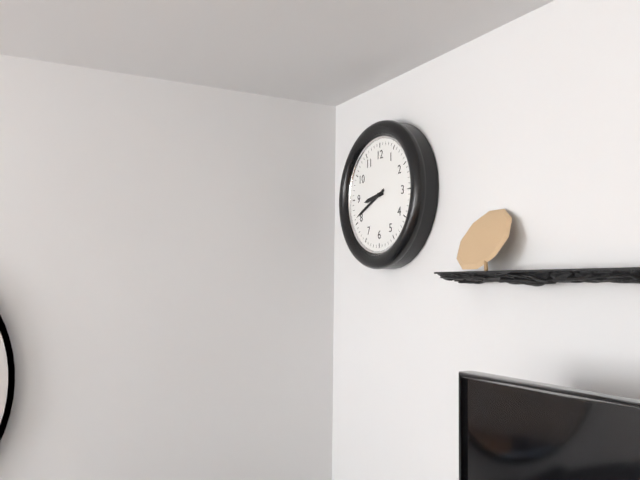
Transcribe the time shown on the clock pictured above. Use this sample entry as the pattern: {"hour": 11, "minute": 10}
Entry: {"hour": 8, "minute": 41}
